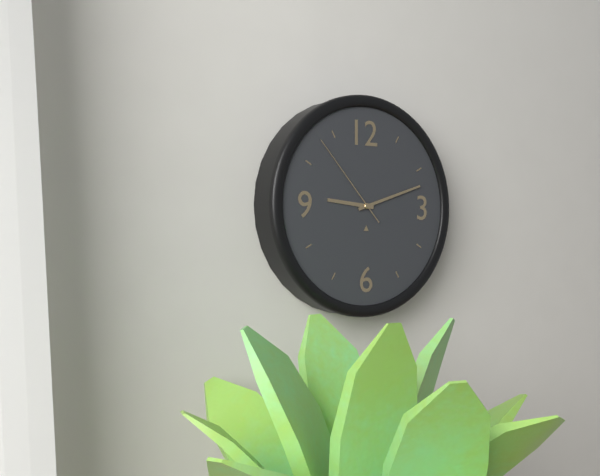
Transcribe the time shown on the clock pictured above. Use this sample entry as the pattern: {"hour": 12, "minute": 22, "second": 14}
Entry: {"hour": 9, "minute": 12, "second": 53}
